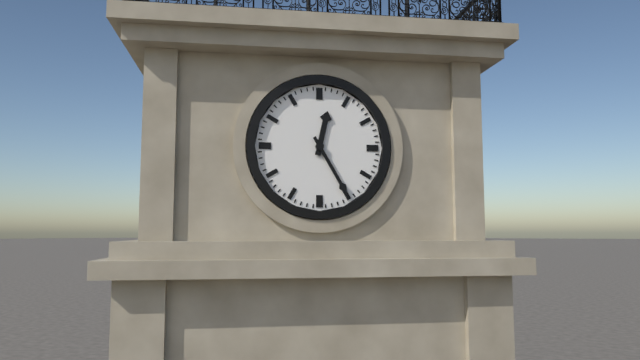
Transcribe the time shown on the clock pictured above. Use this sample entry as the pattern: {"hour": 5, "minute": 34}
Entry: {"hour": 12, "minute": 25}
